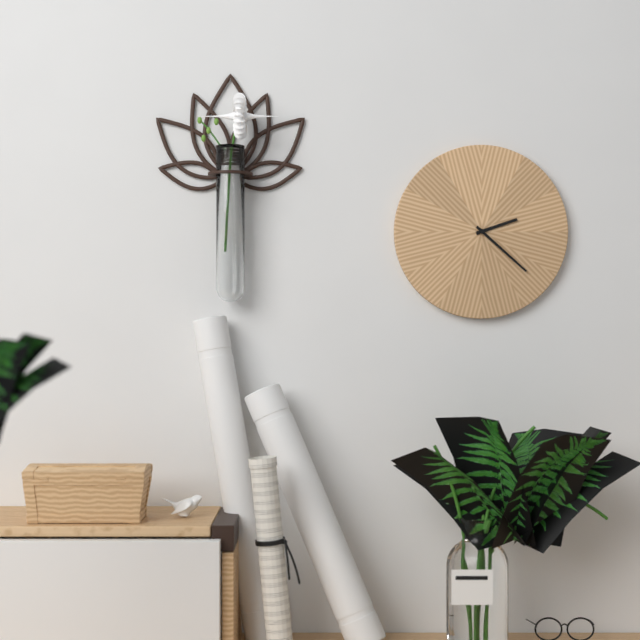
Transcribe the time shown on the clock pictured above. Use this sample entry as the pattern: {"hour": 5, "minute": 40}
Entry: {"hour": 2, "minute": 22}
